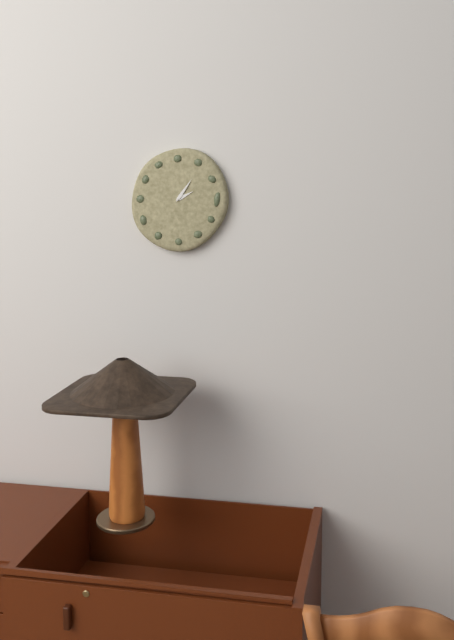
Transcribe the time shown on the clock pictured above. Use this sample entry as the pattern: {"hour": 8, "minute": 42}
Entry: {"hour": 2, "minute": 6}
